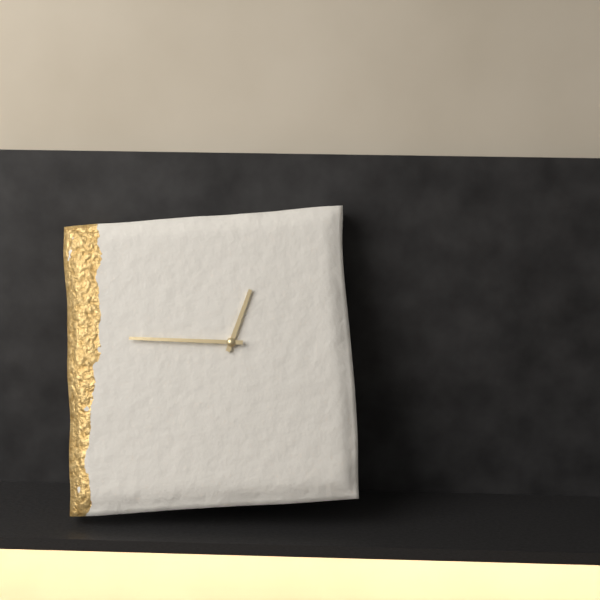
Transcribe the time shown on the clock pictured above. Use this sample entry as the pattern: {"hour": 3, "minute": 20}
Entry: {"hour": 12, "minute": 46}
